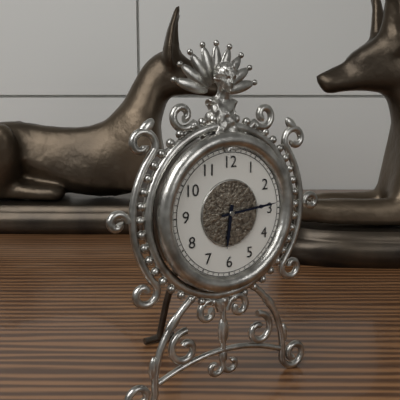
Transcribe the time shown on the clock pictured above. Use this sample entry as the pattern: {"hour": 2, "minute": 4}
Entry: {"hour": 6, "minute": 14}
